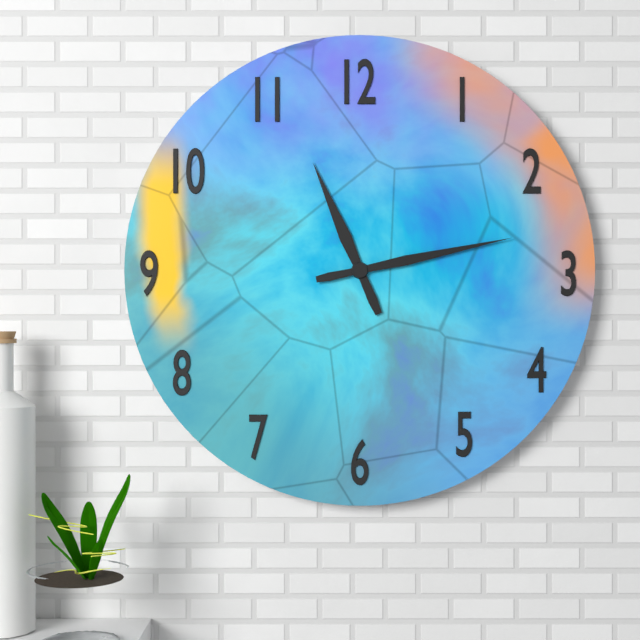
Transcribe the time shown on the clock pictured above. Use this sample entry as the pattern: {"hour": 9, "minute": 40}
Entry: {"hour": 11, "minute": 13}
